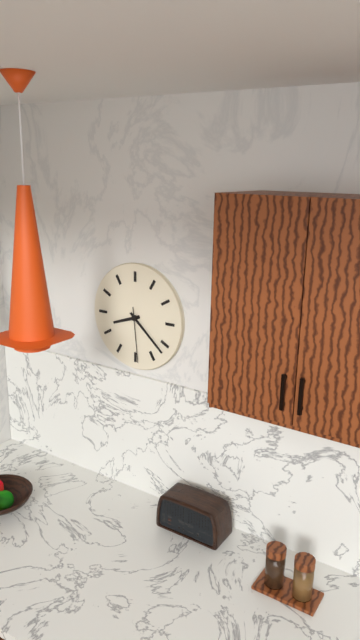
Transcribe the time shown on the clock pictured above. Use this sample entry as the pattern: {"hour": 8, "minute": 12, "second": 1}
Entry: {"hour": 8, "minute": 22, "second": 29}
